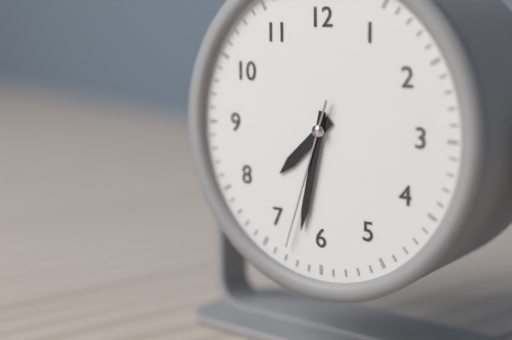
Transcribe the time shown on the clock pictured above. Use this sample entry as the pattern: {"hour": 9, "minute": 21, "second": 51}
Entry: {"hour": 7, "minute": 32, "second": 33}
